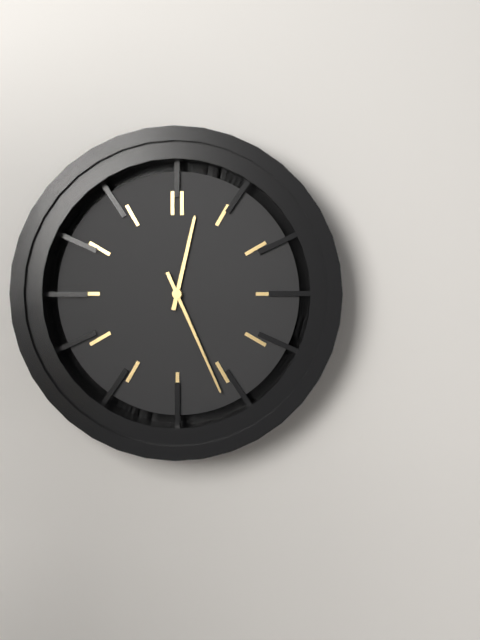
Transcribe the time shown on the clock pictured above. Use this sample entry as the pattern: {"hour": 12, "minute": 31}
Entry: {"hour": 12, "minute": 26}
